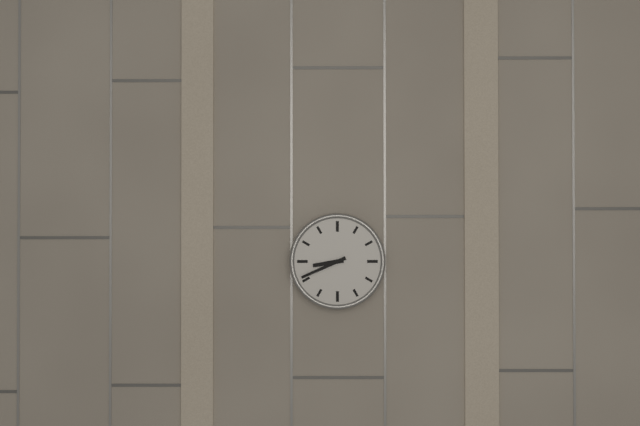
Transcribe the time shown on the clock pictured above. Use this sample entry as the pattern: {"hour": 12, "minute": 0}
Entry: {"hour": 8, "minute": 41}
